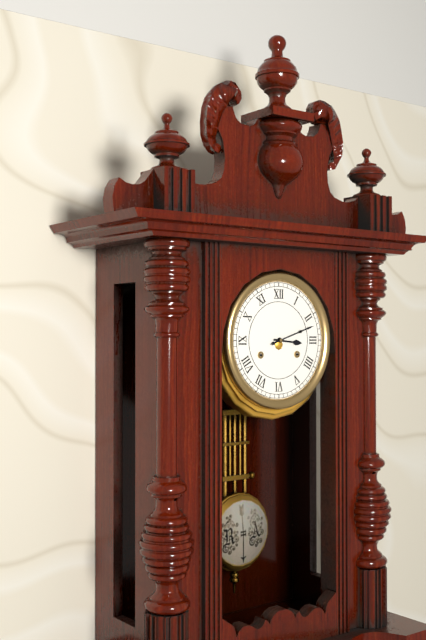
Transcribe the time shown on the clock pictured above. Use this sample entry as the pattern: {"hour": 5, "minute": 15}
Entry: {"hour": 3, "minute": 12}
